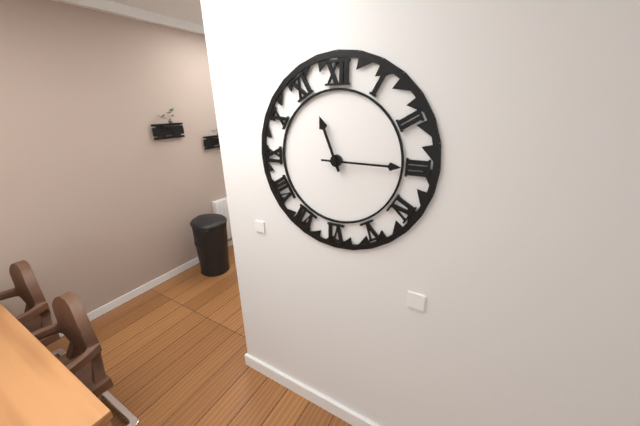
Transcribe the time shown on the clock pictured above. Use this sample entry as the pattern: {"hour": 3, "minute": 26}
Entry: {"hour": 11, "minute": 15}
